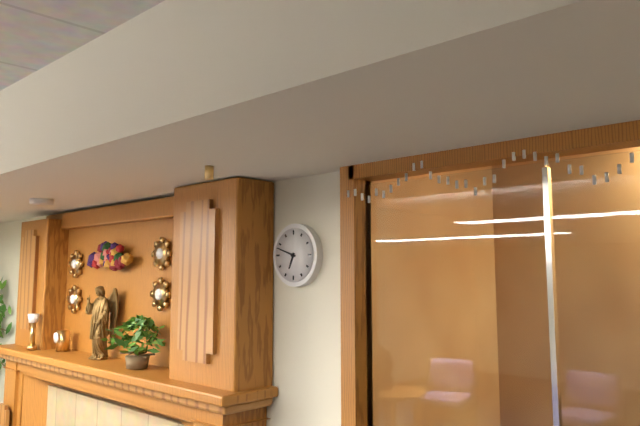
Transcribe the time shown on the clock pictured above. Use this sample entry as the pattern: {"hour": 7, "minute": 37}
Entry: {"hour": 6, "minute": 48}
